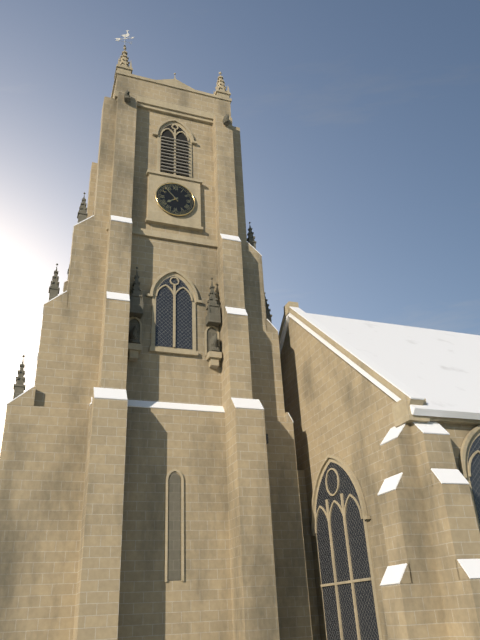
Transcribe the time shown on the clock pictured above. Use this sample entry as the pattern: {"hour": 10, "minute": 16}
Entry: {"hour": 7, "minute": 53}
